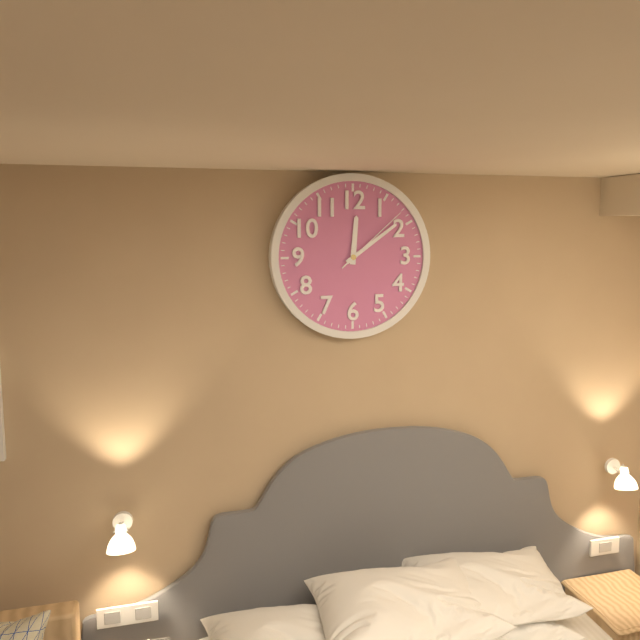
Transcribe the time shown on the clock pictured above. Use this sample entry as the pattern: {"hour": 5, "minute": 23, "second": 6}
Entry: {"hour": 12, "minute": 9, "second": 8}
